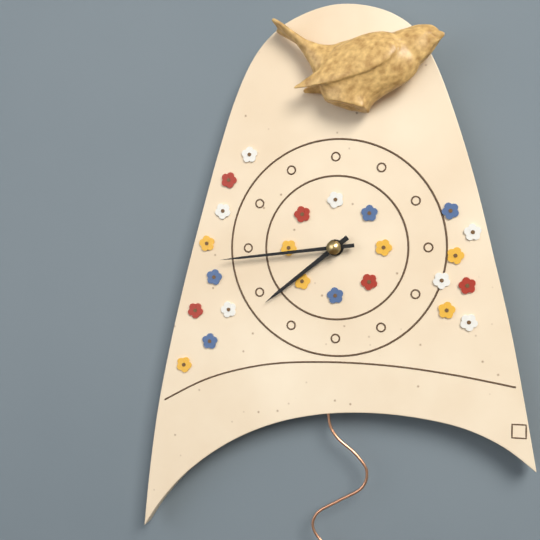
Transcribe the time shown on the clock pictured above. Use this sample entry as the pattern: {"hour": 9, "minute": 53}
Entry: {"hour": 7, "minute": 44}
